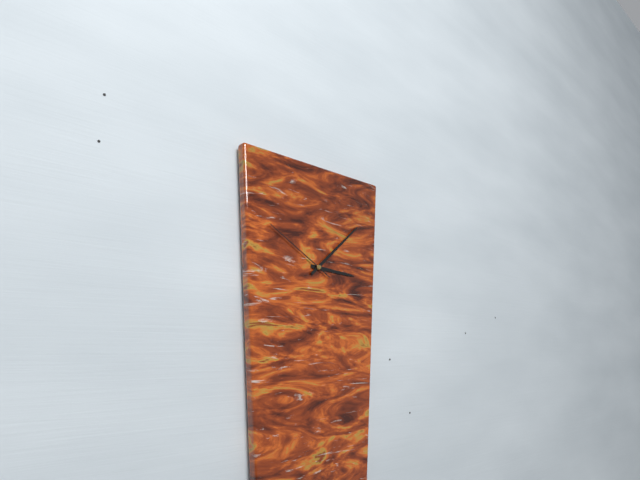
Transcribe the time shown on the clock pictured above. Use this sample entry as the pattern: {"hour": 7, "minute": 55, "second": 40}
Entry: {"hour": 3, "minute": 8, "second": 50}
